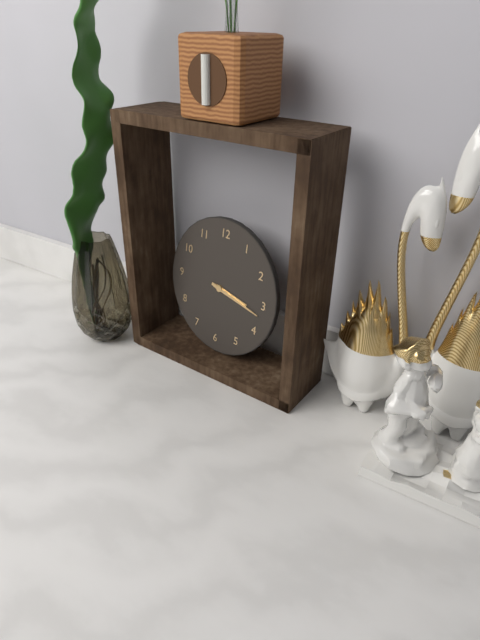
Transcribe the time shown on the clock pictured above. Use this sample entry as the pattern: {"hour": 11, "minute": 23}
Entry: {"hour": 3, "minute": 17}
